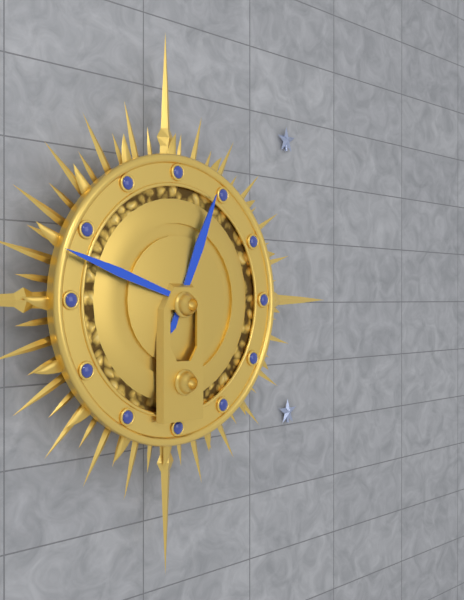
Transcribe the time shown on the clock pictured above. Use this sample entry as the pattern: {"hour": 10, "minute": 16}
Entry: {"hour": 12, "minute": 48}
